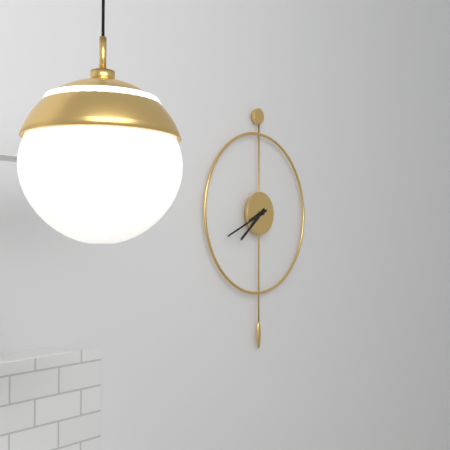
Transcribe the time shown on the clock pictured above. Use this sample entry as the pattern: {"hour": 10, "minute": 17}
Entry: {"hour": 7, "minute": 41}
